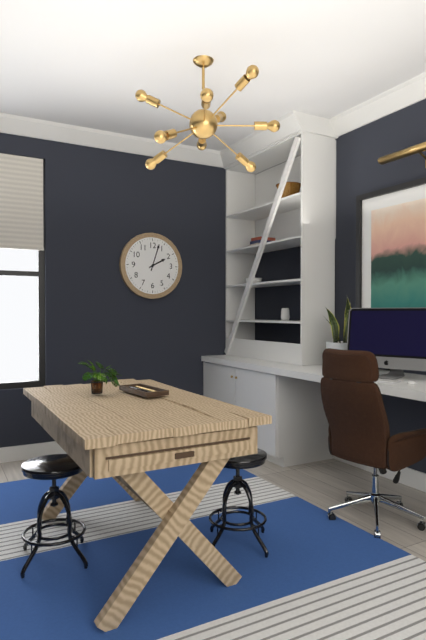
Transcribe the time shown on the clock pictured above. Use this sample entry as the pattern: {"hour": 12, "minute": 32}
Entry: {"hour": 2, "minute": 3}
